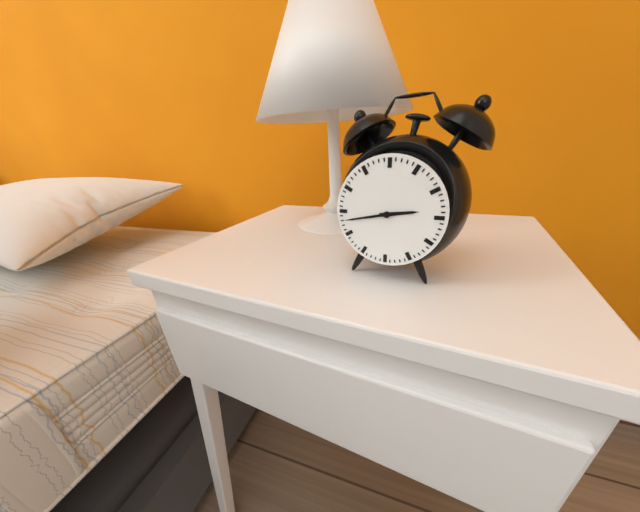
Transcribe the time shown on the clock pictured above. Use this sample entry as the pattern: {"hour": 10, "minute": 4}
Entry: {"hour": 2, "minute": 43}
